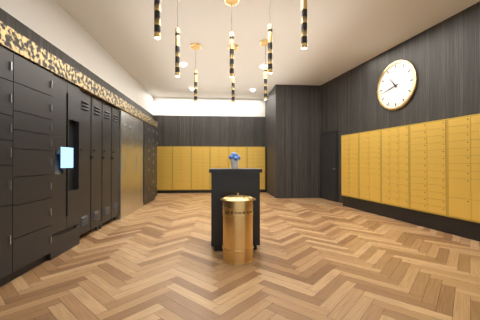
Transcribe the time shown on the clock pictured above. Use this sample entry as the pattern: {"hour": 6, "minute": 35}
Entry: {"hour": 10, "minute": 43}
